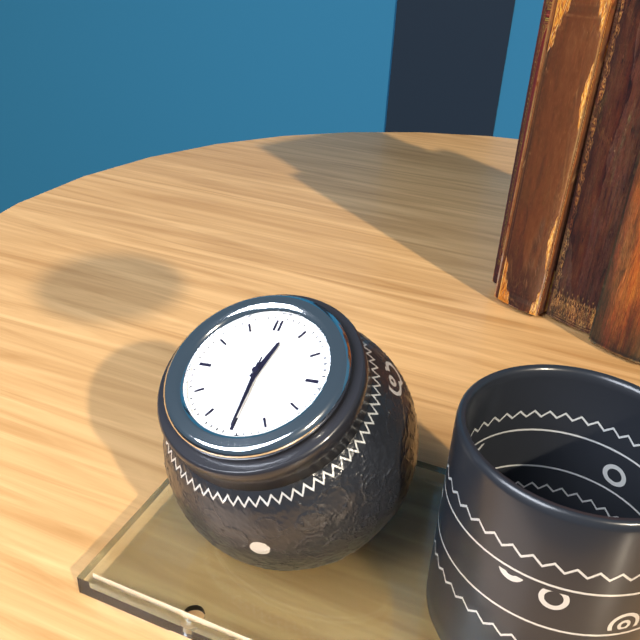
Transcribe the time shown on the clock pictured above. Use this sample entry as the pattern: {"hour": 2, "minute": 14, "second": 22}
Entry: {"hour": 12, "minute": 30, "second": 30}
